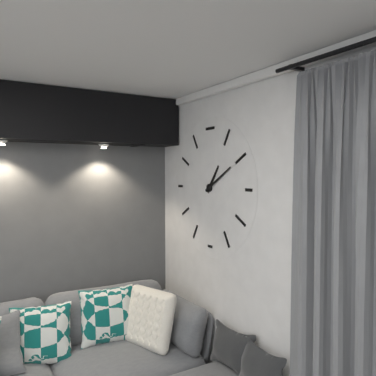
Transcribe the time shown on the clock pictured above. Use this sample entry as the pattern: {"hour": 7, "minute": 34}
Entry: {"hour": 1, "minute": 10}
